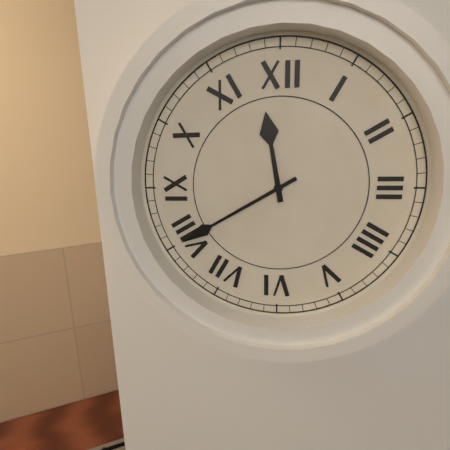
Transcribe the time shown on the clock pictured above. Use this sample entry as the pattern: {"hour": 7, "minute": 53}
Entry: {"hour": 11, "minute": 40}
